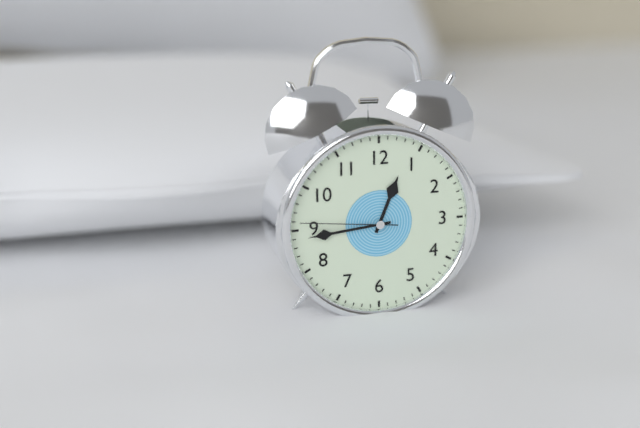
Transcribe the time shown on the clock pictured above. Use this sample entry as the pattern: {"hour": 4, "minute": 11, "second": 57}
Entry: {"hour": 12, "minute": 44, "second": 46}
